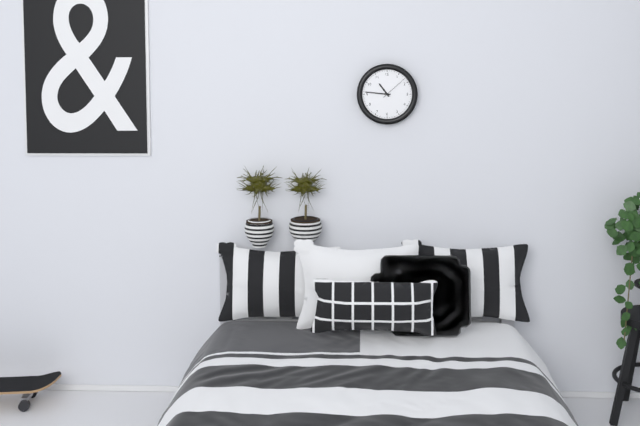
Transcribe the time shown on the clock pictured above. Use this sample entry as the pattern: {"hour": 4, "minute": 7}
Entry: {"hour": 10, "minute": 46}
